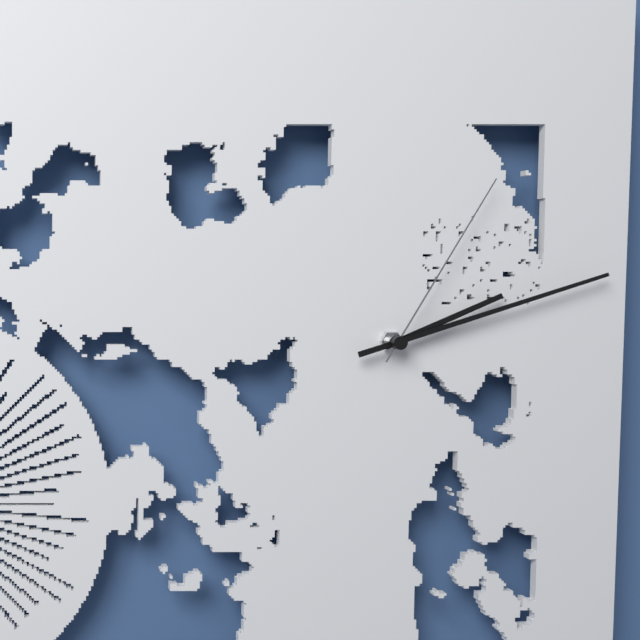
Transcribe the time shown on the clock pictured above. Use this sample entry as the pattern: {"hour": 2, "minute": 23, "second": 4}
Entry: {"hour": 2, "minute": 12, "second": 5}
